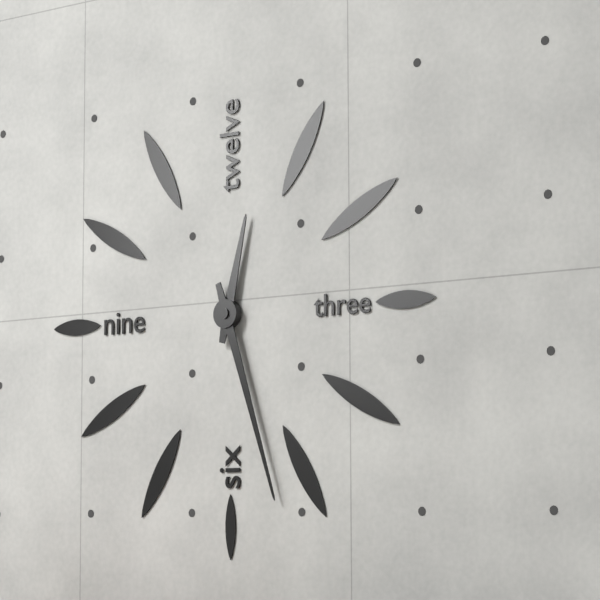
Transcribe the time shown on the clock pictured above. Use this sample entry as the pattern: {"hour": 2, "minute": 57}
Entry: {"hour": 12, "minute": 27}
